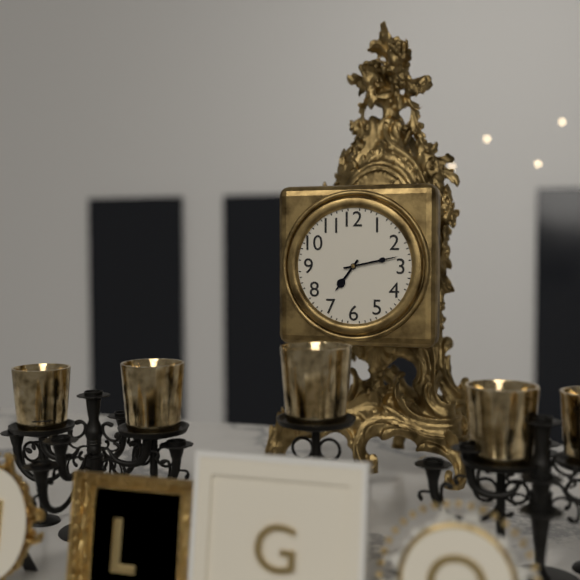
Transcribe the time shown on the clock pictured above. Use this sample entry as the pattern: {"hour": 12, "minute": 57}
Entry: {"hour": 7, "minute": 13}
